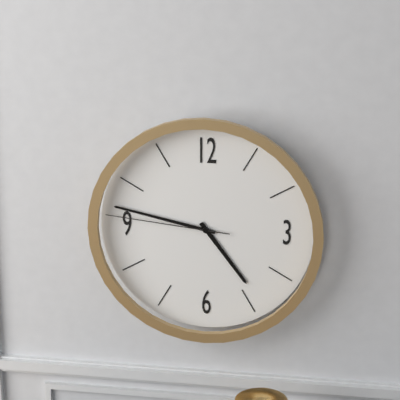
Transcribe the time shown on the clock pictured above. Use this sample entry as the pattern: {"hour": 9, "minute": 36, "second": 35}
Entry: {"hour": 4, "minute": 47, "second": 46}
